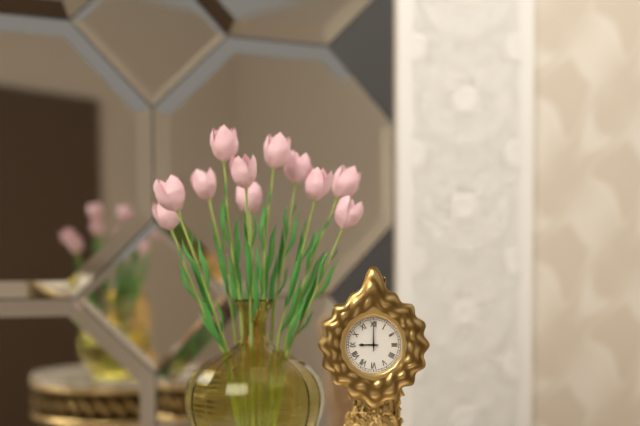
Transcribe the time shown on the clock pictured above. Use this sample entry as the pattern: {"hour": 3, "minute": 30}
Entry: {"hour": 9, "minute": 0}
